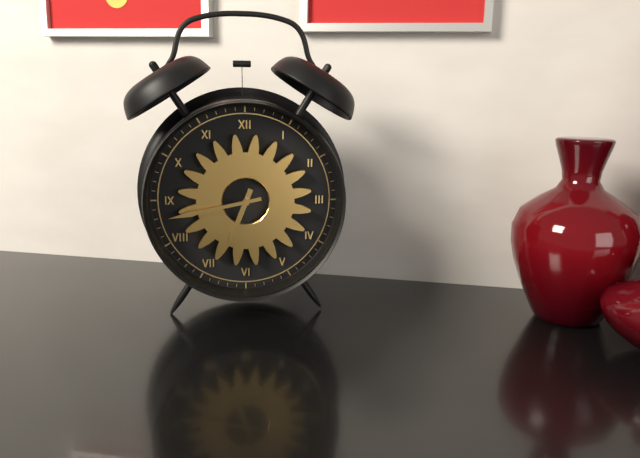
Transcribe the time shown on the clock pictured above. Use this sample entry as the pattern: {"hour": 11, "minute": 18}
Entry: {"hour": 6, "minute": 43}
